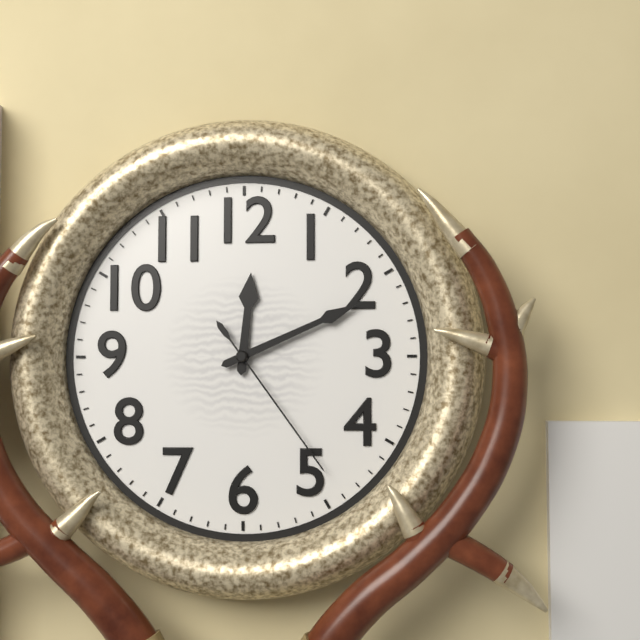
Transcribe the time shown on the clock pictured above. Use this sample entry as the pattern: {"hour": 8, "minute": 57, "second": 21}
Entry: {"hour": 12, "minute": 11, "second": 24}
